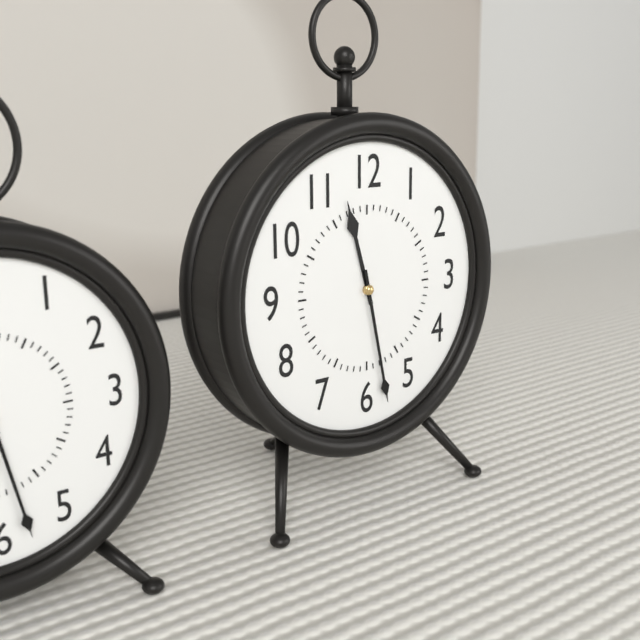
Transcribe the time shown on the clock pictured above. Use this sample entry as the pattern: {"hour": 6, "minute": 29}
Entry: {"hour": 11, "minute": 28}
